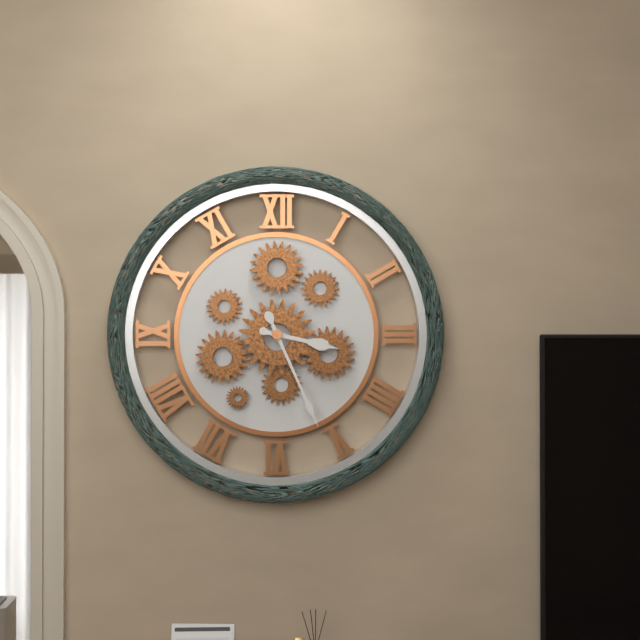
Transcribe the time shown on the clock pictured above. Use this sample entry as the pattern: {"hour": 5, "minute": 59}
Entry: {"hour": 3, "minute": 26}
